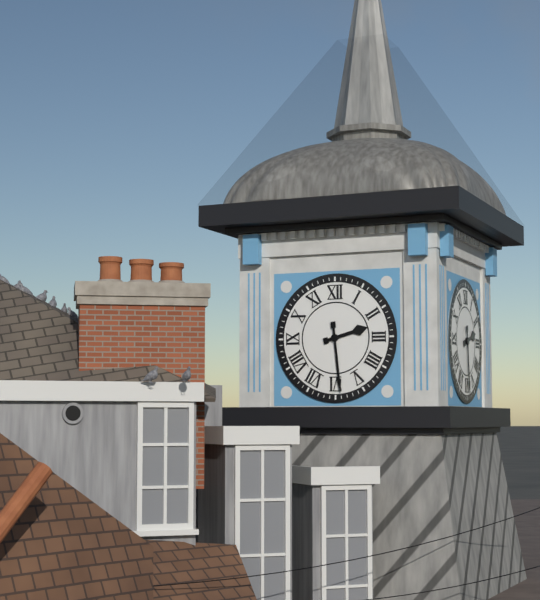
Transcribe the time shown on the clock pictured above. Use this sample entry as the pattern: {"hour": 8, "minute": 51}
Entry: {"hour": 2, "minute": 29}
